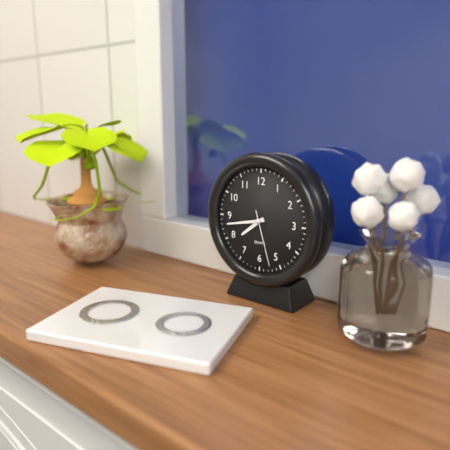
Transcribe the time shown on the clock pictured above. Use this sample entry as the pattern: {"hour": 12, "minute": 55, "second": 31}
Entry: {"hour": 7, "minute": 43, "second": 27}
